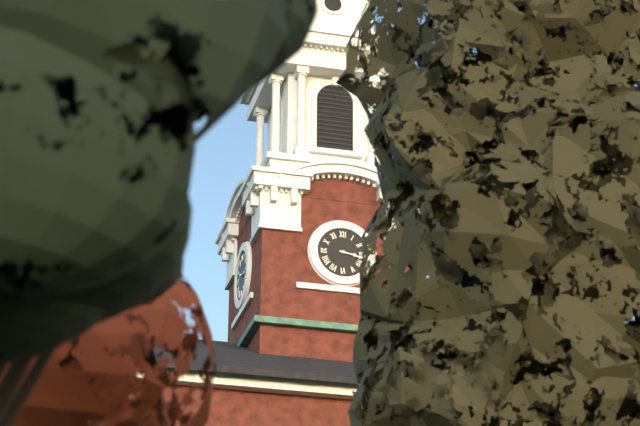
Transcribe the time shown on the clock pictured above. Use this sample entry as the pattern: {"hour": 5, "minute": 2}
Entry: {"hour": 3, "minute": 17}
